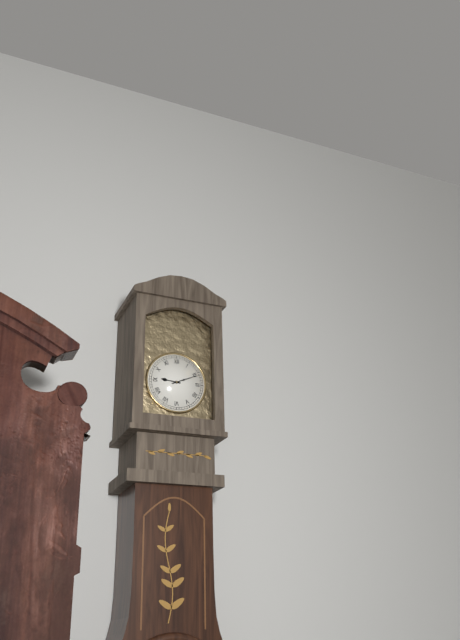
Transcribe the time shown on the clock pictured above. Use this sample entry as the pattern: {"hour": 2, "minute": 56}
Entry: {"hour": 9, "minute": 11}
